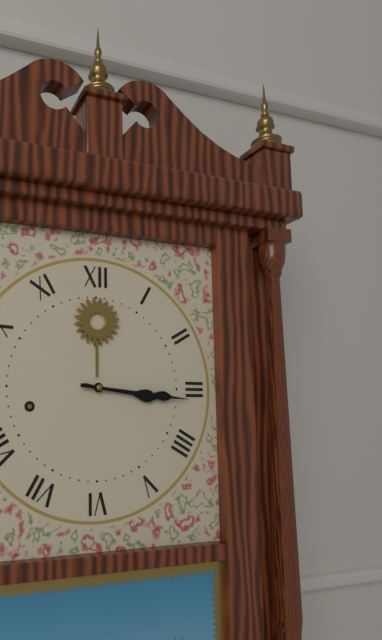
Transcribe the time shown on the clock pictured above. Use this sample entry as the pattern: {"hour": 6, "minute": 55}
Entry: {"hour": 3, "minute": 16}
